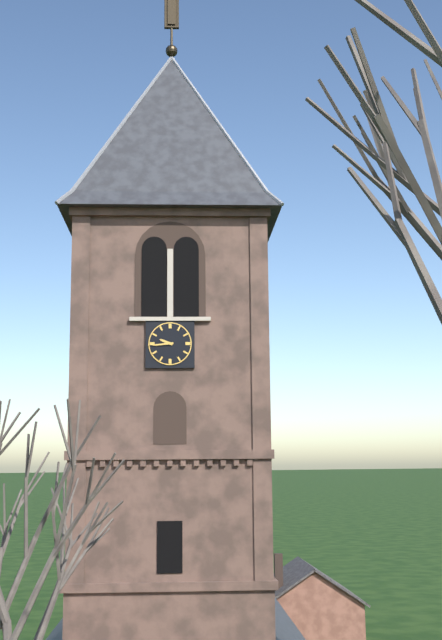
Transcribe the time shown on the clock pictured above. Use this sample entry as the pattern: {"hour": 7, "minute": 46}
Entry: {"hour": 9, "minute": 44}
